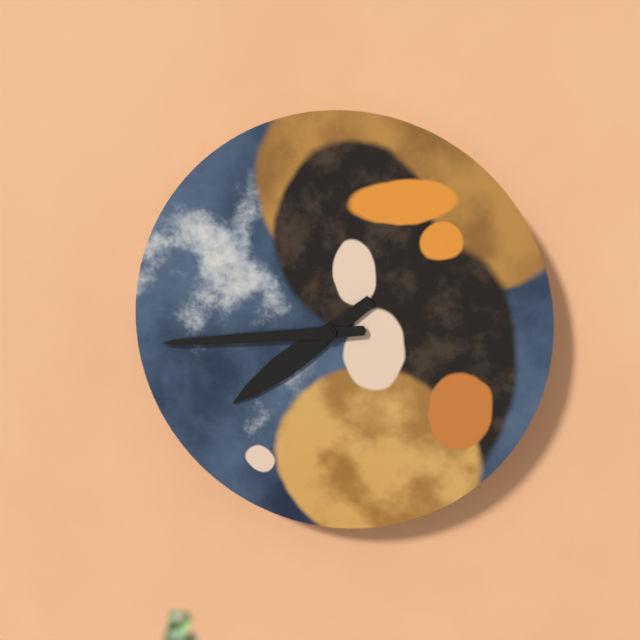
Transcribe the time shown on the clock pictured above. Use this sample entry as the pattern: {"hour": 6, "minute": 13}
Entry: {"hour": 7, "minute": 44}
